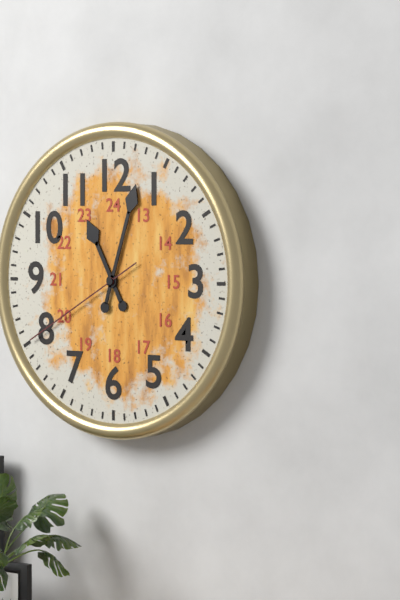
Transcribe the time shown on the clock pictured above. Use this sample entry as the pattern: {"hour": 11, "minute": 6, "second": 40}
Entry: {"hour": 11, "minute": 3, "second": 40}
